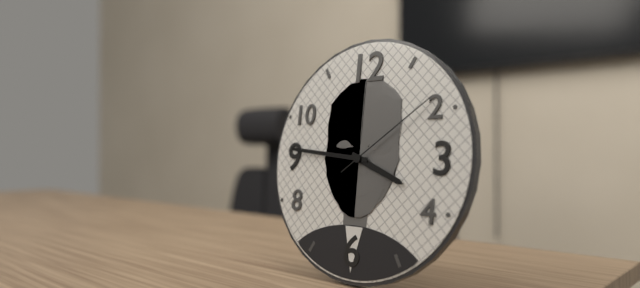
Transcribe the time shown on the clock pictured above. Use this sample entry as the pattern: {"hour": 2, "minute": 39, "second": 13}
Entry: {"hour": 3, "minute": 46, "second": 9}
